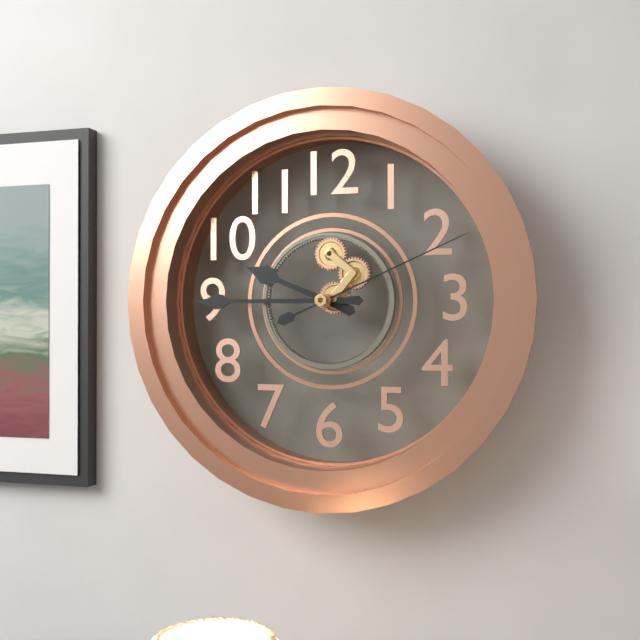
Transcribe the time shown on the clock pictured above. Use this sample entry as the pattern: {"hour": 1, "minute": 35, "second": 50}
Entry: {"hour": 9, "minute": 45, "second": 11}
